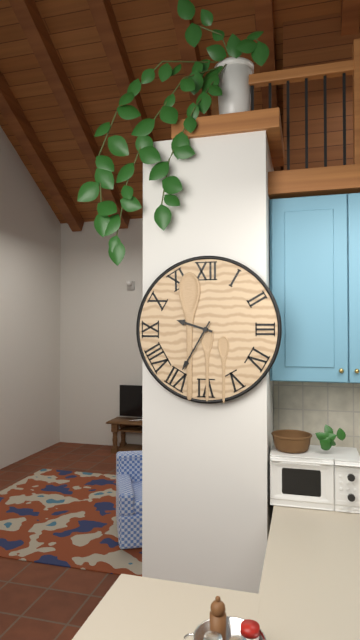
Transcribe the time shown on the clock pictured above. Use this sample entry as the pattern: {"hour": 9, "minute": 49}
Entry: {"hour": 9, "minute": 35}
